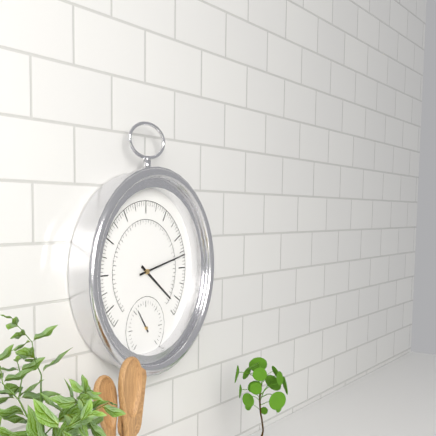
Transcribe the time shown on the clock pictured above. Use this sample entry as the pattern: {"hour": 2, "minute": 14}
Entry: {"hour": 4, "minute": 13}
